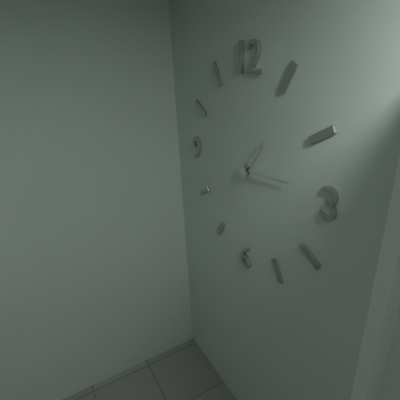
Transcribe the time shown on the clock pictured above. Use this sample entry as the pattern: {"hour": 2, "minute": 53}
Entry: {"hour": 1, "minute": 14}
